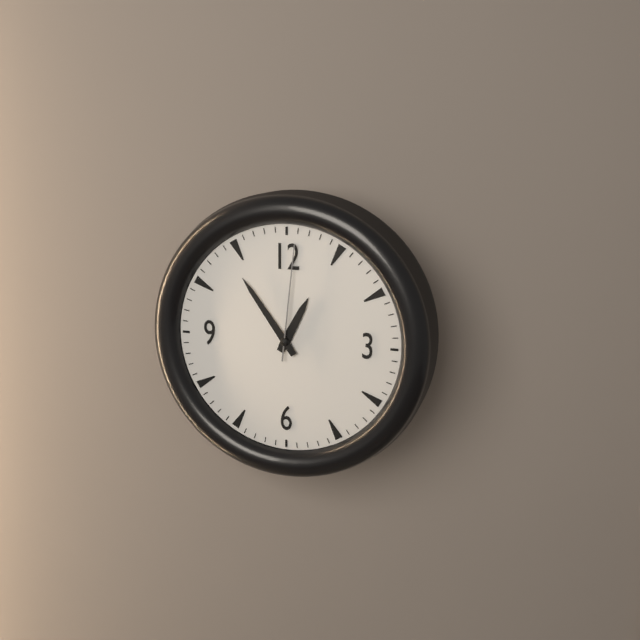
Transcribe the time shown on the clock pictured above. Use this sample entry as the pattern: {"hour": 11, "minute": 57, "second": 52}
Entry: {"hour": 12, "minute": 54, "second": 1}
